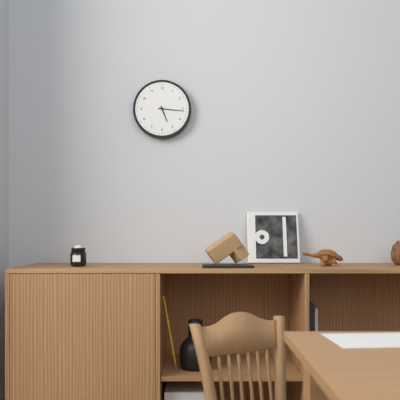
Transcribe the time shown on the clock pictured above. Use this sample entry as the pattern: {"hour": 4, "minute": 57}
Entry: {"hour": 5, "minute": 16}
